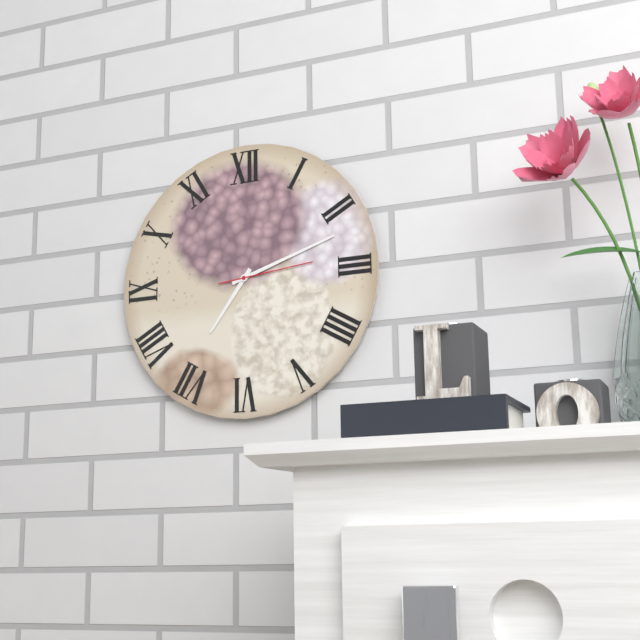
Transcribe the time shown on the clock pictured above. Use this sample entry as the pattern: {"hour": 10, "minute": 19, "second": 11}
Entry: {"hour": 7, "minute": 12, "second": 14}
